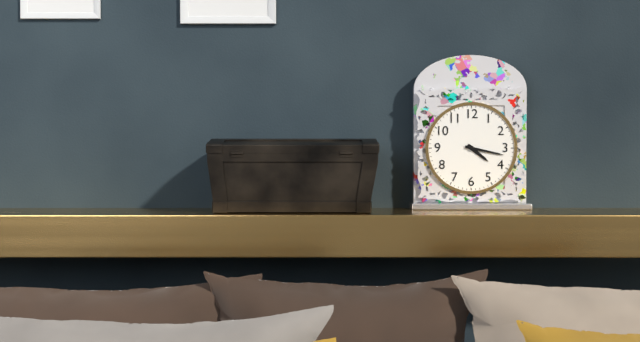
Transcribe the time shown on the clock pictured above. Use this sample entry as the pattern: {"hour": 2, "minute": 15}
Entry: {"hour": 4, "minute": 17}
